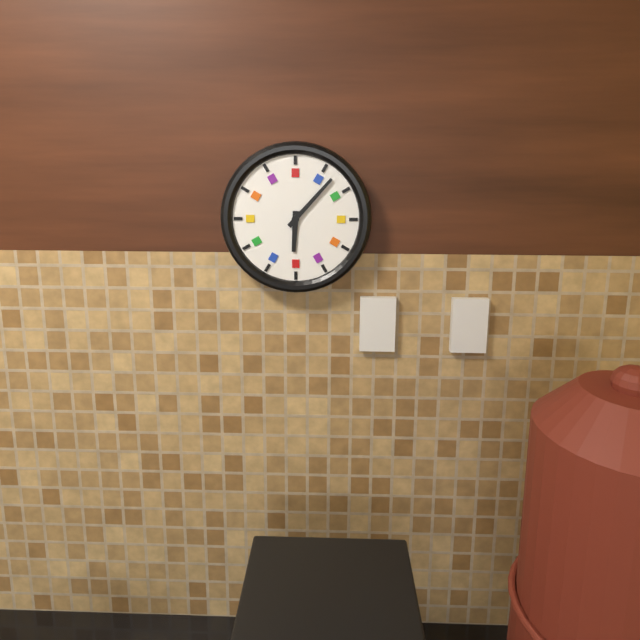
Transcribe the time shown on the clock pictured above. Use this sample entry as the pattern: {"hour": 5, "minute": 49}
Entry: {"hour": 6, "minute": 7}
